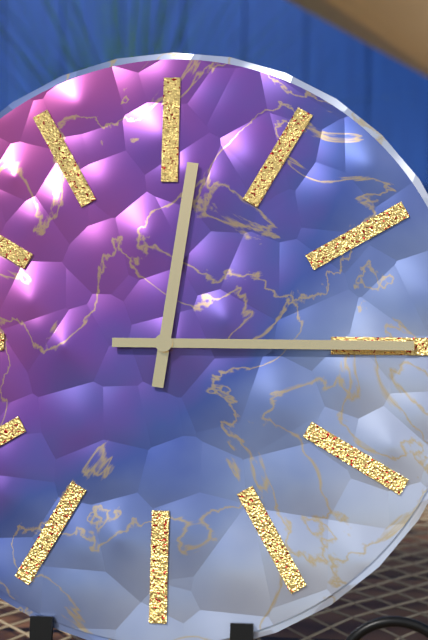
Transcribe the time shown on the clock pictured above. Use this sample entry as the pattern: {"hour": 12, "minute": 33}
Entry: {"hour": 12, "minute": 15}
